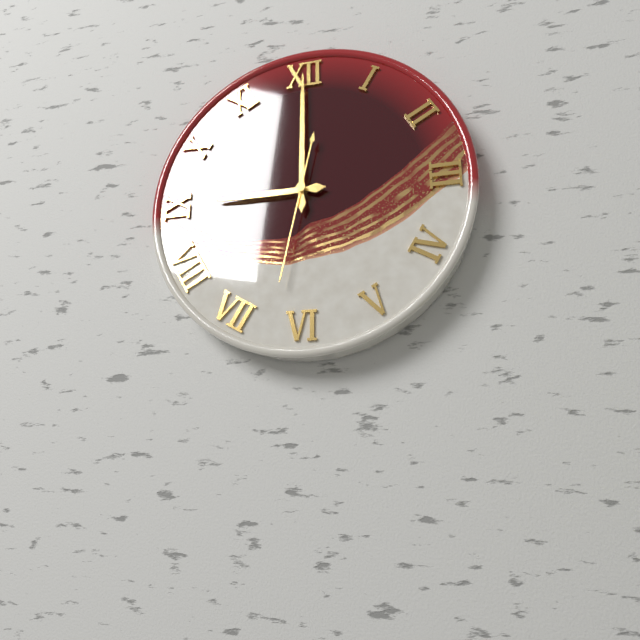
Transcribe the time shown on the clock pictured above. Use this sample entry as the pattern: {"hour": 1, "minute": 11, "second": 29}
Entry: {"hour": 9, "minute": 0, "second": 32}
